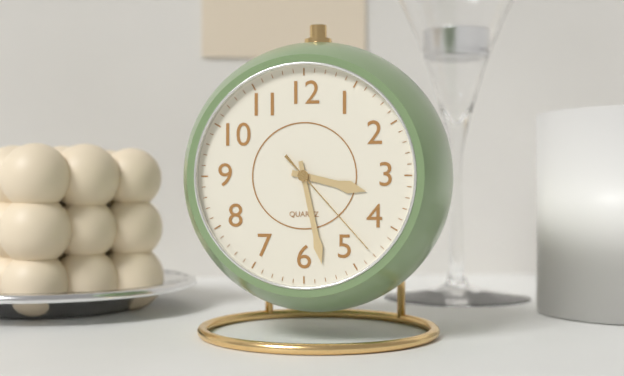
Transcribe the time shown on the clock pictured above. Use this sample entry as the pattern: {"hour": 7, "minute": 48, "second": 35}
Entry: {"hour": 3, "minute": 28, "second": 23}
